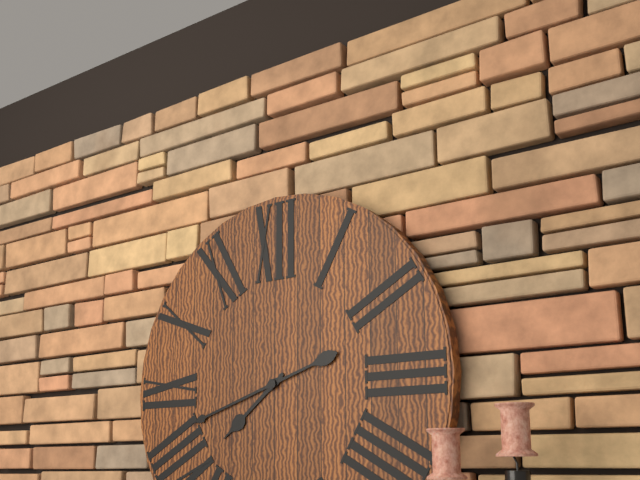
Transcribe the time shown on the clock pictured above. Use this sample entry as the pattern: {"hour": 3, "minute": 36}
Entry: {"hour": 7, "minute": 42}
